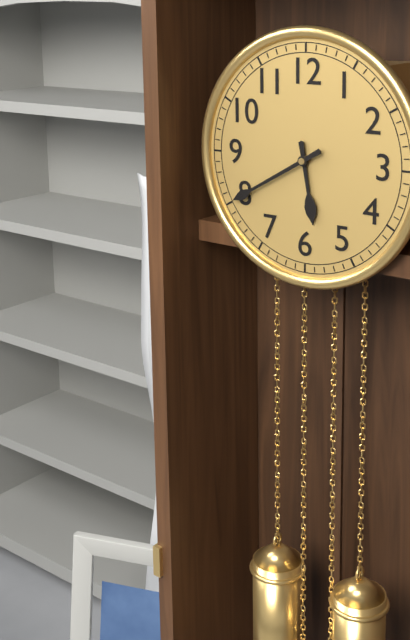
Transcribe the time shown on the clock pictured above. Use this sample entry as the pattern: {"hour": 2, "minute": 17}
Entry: {"hour": 5, "minute": 40}
